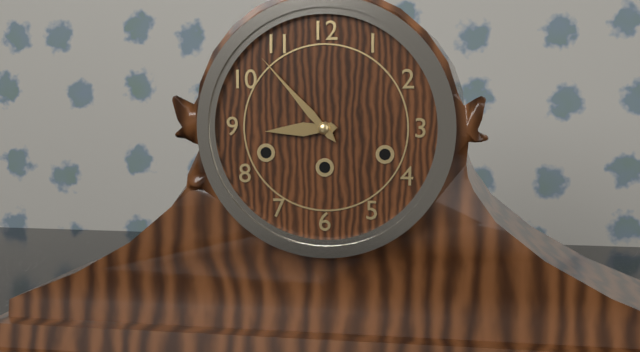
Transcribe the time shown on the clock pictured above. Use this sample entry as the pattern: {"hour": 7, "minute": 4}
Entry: {"hour": 8, "minute": 53}
